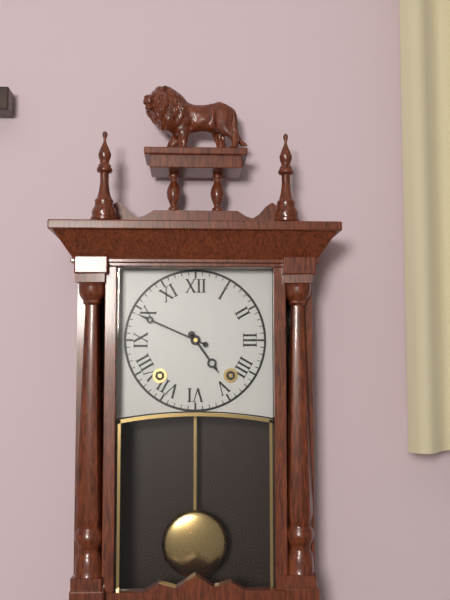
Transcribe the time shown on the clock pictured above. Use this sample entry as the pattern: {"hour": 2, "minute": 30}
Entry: {"hour": 4, "minute": 49}
